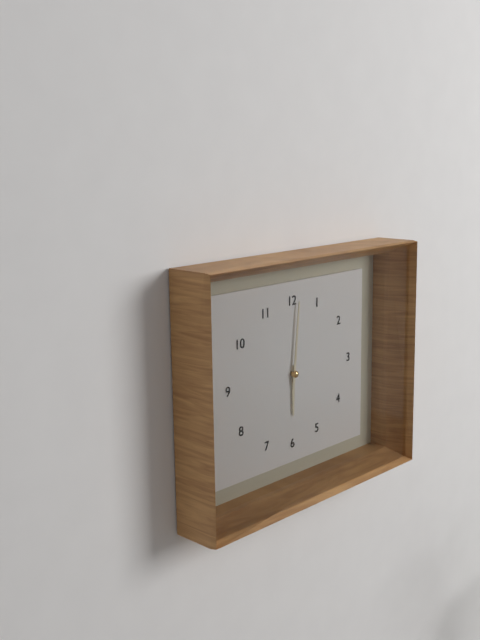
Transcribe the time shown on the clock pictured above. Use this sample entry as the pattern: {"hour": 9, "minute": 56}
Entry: {"hour": 6, "minute": 1}
